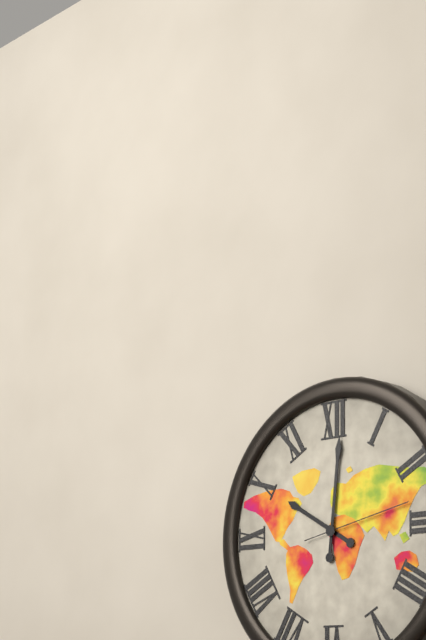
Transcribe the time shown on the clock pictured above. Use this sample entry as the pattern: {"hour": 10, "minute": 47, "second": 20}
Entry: {"hour": 10, "minute": 1, "second": 13}
